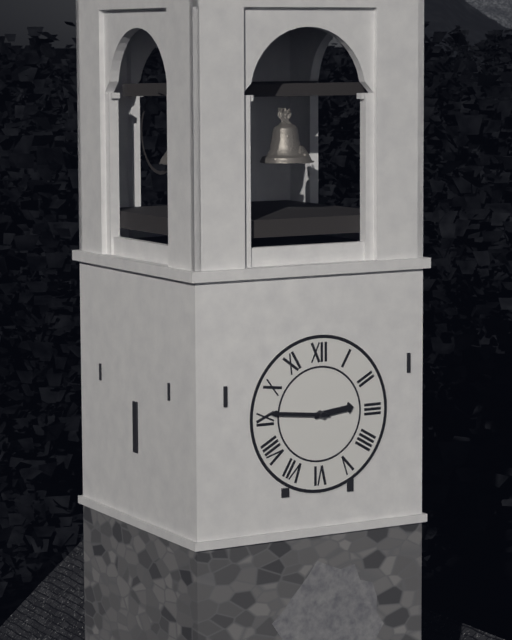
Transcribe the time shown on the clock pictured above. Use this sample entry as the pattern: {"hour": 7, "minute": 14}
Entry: {"hour": 2, "minute": 46}
